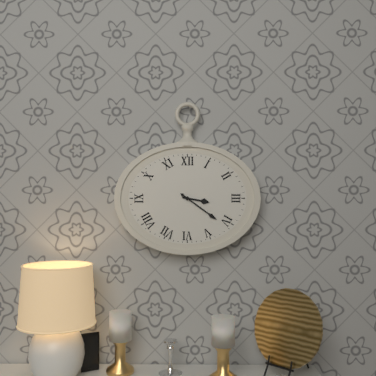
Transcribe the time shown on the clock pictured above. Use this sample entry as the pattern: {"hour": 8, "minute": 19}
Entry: {"hour": 3, "minute": 21}
